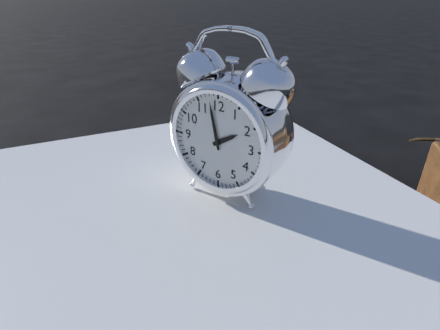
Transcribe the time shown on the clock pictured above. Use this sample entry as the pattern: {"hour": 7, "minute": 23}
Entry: {"hour": 1, "minute": 58}
